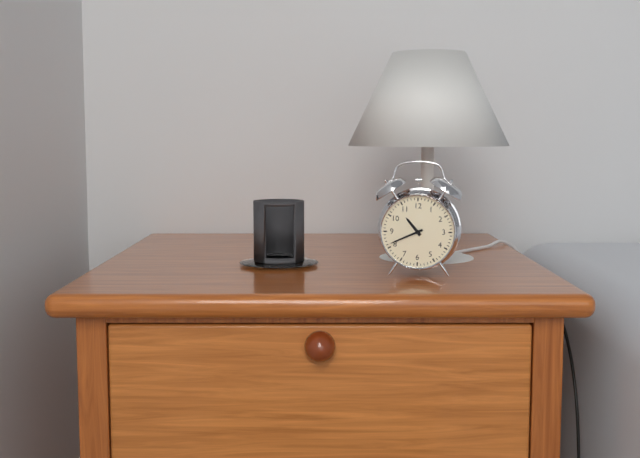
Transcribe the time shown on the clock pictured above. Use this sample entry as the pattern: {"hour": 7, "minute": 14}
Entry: {"hour": 10, "minute": 41}
